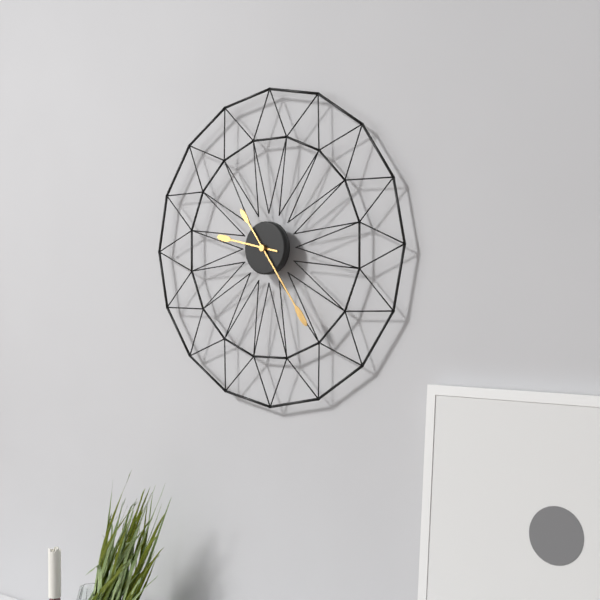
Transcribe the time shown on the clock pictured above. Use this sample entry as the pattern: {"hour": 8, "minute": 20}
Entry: {"hour": 9, "minute": 24}
